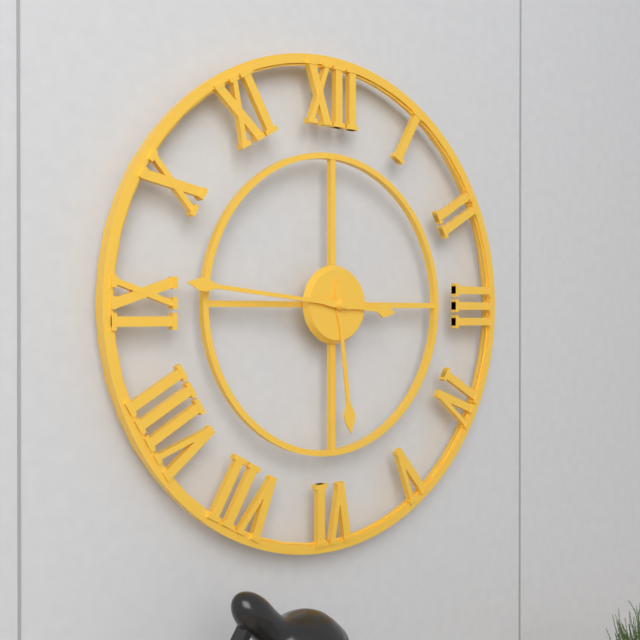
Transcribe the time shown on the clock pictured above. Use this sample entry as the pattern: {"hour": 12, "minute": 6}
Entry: {"hour": 5, "minute": 46}
